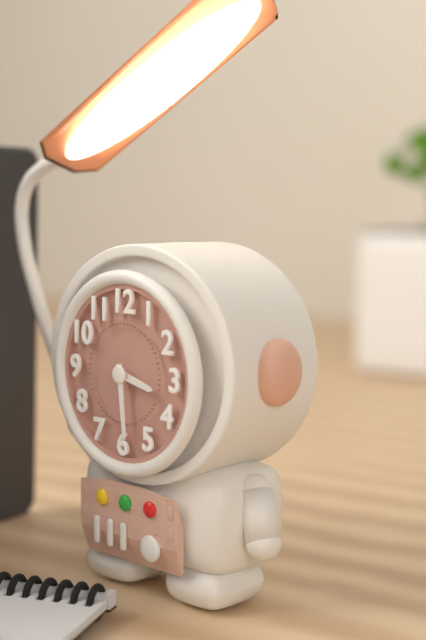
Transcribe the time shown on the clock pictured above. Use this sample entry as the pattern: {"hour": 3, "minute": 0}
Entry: {"hour": 3, "minute": 29}
